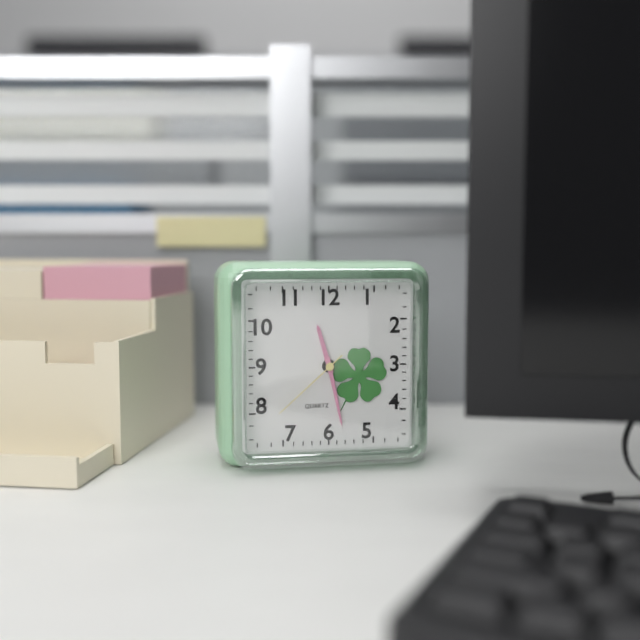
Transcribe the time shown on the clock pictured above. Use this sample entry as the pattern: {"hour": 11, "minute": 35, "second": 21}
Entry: {"hour": 11, "minute": 28, "second": 38}
